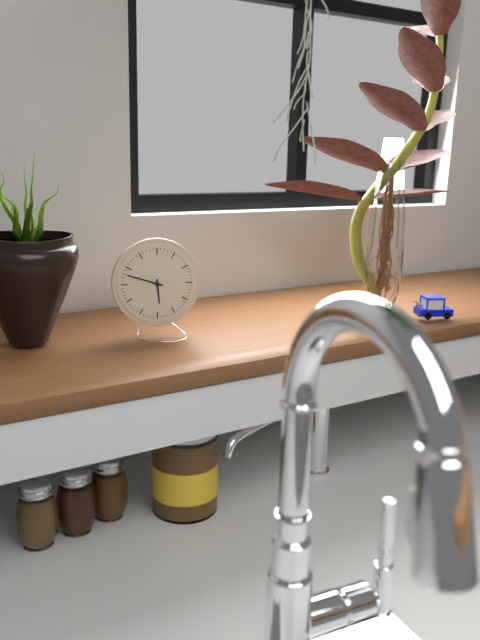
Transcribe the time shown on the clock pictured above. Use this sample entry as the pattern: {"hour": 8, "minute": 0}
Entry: {"hour": 5, "minute": 48}
